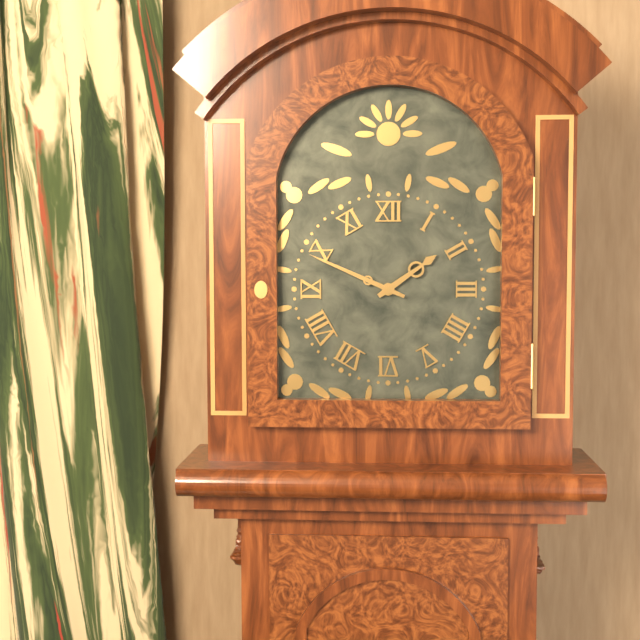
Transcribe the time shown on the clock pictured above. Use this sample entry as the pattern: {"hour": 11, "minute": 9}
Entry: {"hour": 1, "minute": 49}
